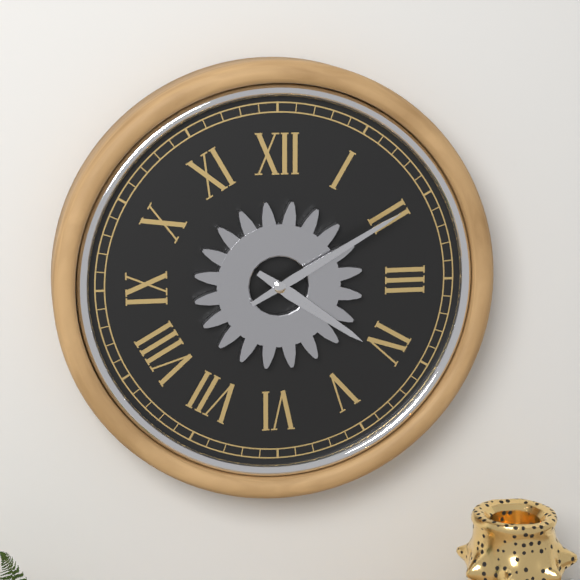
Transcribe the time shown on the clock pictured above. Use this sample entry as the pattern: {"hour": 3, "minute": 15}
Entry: {"hour": 4, "minute": 10}
